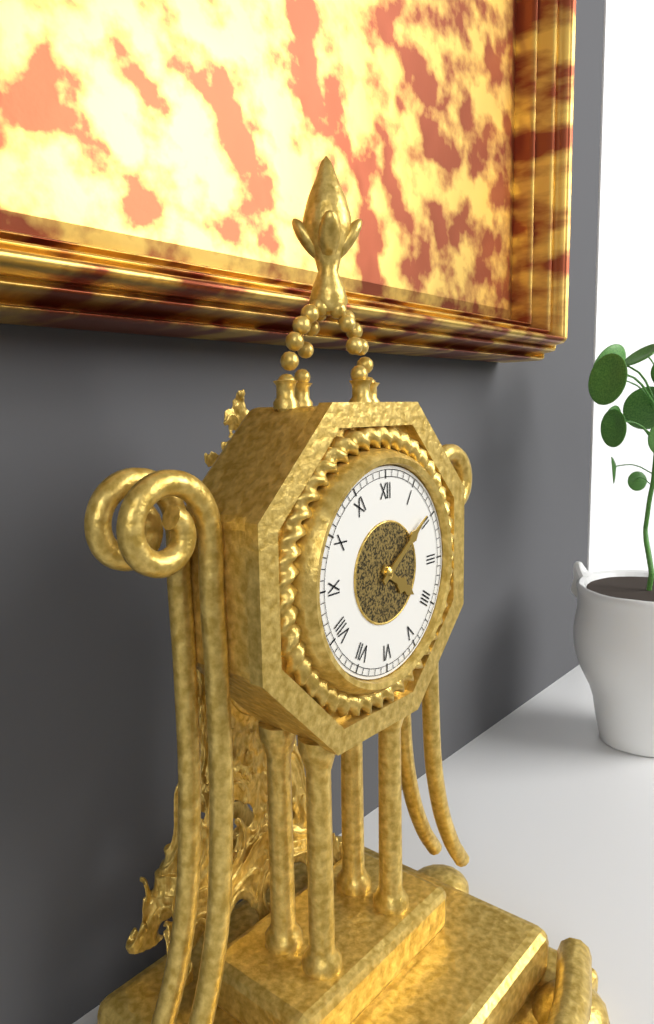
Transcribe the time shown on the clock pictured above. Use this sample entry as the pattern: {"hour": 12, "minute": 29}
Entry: {"hour": 4, "minute": 9}
